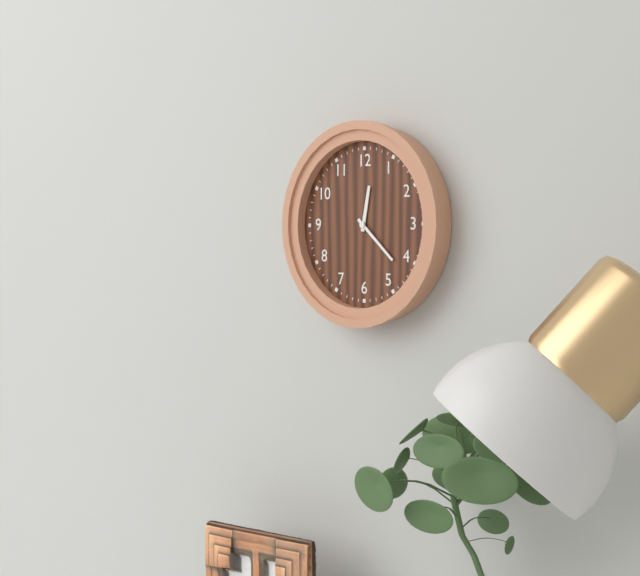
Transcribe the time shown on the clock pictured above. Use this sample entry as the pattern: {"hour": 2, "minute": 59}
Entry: {"hour": 12, "minute": 22}
